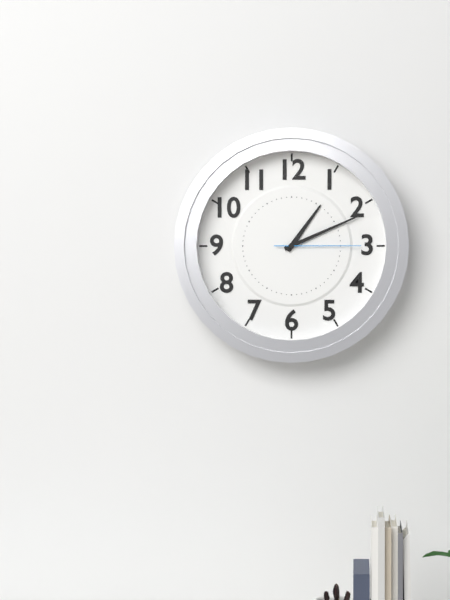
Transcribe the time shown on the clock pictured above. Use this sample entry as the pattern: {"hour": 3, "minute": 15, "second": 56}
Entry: {"hour": 1, "minute": 11, "second": 15}
